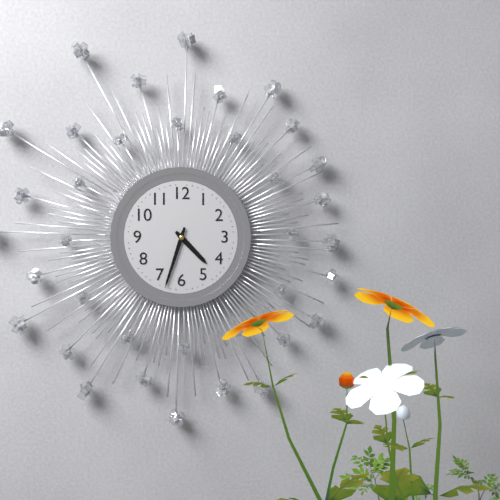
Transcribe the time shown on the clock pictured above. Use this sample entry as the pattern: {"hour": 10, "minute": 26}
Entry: {"hour": 4, "minute": 33}
